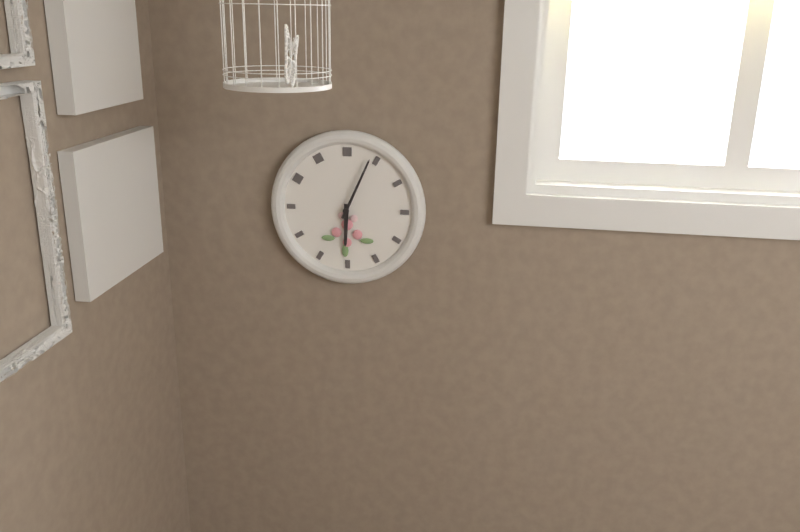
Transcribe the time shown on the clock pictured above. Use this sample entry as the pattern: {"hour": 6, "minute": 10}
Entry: {"hour": 6, "minute": 4}
